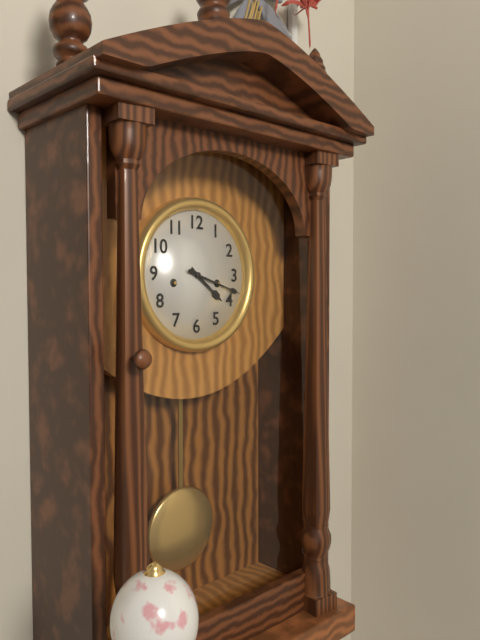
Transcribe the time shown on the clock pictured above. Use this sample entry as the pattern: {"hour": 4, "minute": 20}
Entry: {"hour": 4, "minute": 18}
